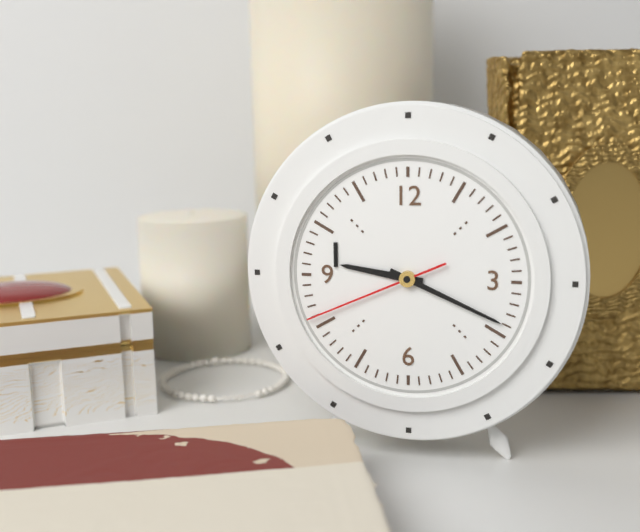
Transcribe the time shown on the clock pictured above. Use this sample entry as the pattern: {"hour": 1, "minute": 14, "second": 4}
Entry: {"hour": 9, "minute": 19, "second": 41}
